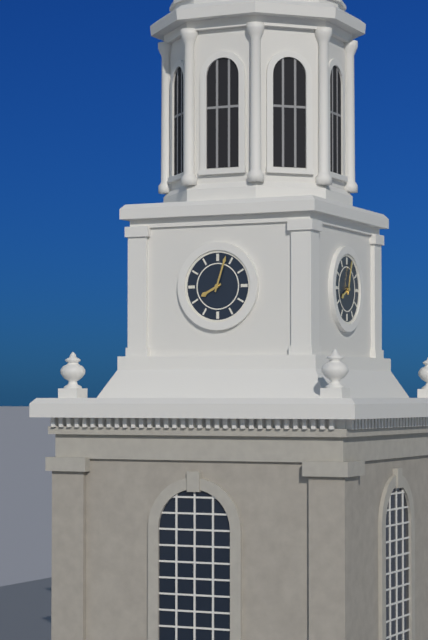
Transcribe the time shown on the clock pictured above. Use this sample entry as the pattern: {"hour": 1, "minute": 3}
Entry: {"hour": 8, "minute": 3}
